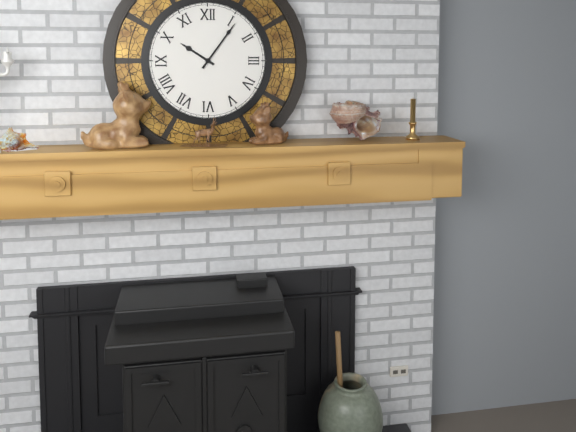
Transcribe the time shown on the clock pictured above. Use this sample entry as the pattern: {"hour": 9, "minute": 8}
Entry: {"hour": 10, "minute": 6}
